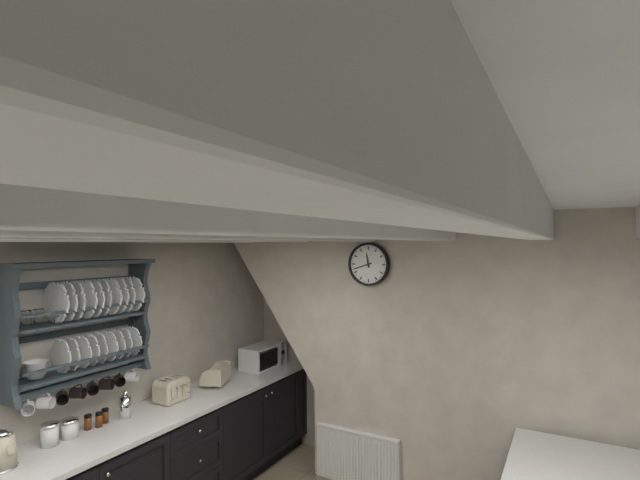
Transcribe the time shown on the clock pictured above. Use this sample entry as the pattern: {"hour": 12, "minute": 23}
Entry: {"hour": 11, "minute": 42}
